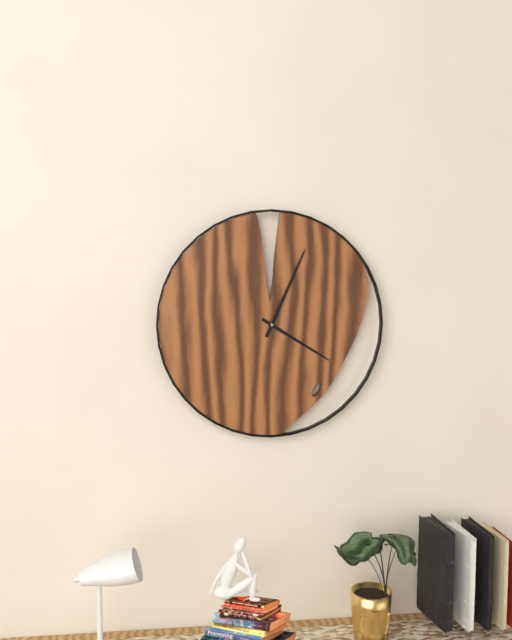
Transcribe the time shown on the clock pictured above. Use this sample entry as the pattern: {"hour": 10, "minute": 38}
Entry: {"hour": 4, "minute": 4}
